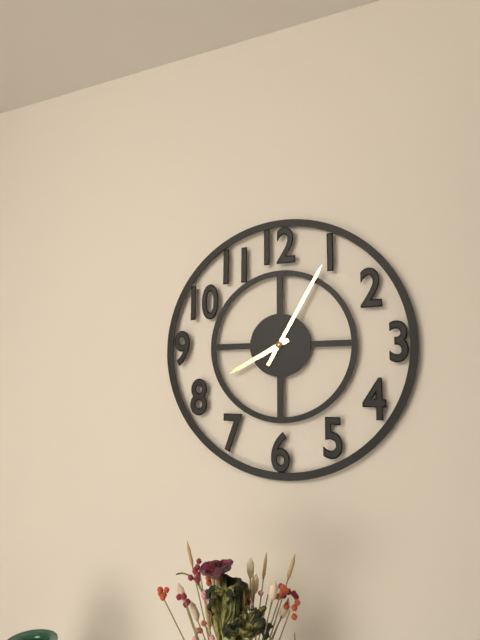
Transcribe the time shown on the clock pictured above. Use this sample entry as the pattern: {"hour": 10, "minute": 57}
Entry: {"hour": 8, "minute": 5}
